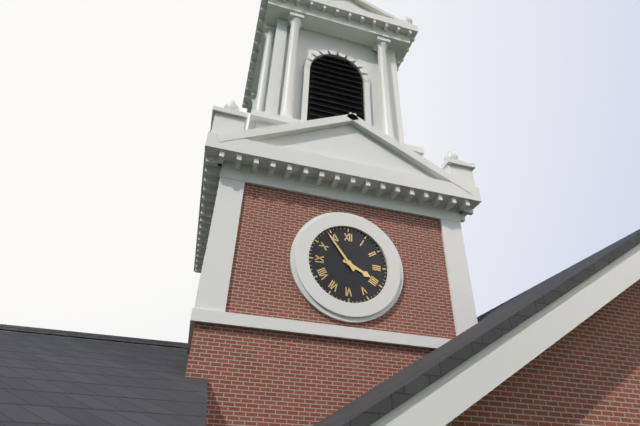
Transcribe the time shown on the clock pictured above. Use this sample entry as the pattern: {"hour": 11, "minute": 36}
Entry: {"hour": 3, "minute": 54}
